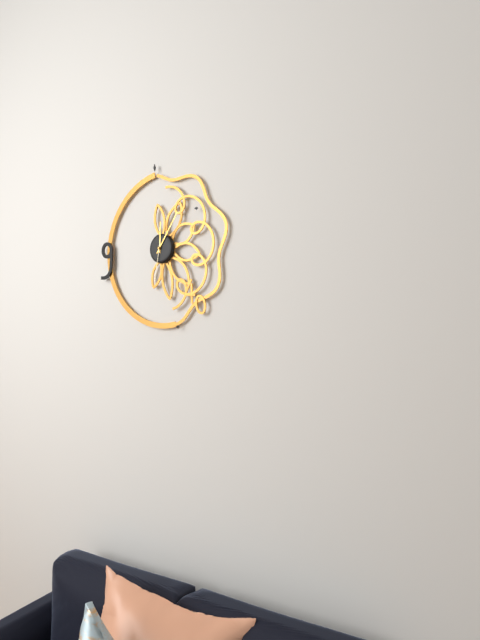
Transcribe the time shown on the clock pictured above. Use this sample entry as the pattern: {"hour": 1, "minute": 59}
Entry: {"hour": 12, "minute": 6}
